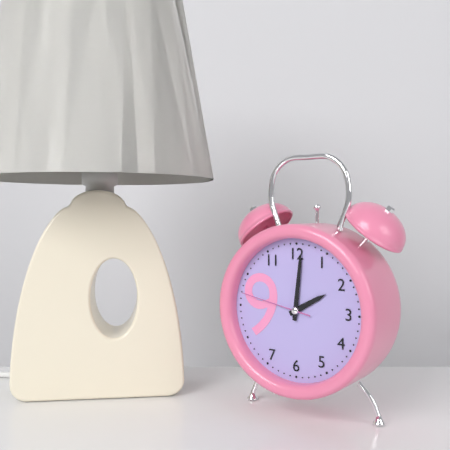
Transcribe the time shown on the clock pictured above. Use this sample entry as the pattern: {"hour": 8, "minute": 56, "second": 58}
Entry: {"hour": 2, "minute": 1, "second": 47}
